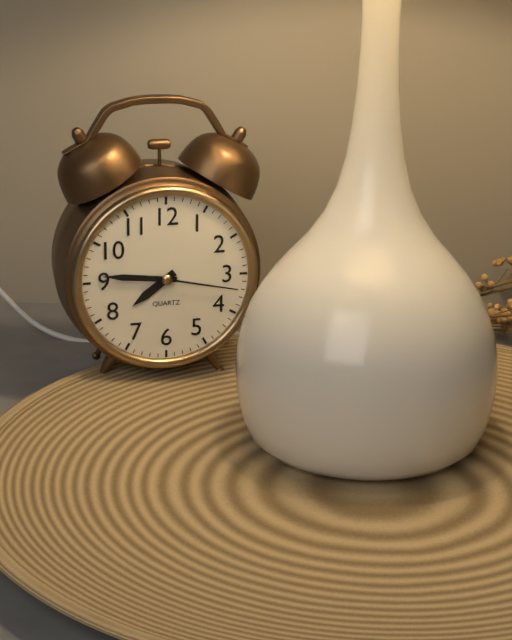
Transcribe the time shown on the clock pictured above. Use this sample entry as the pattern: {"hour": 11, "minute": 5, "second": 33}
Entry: {"hour": 7, "minute": 46, "second": 17}
